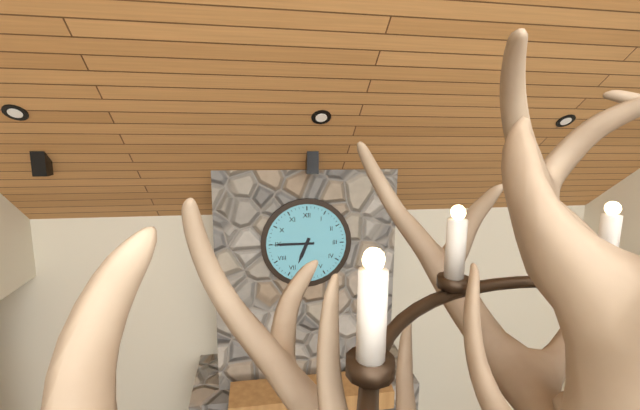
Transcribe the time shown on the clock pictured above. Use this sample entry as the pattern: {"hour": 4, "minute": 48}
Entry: {"hour": 6, "minute": 45}
